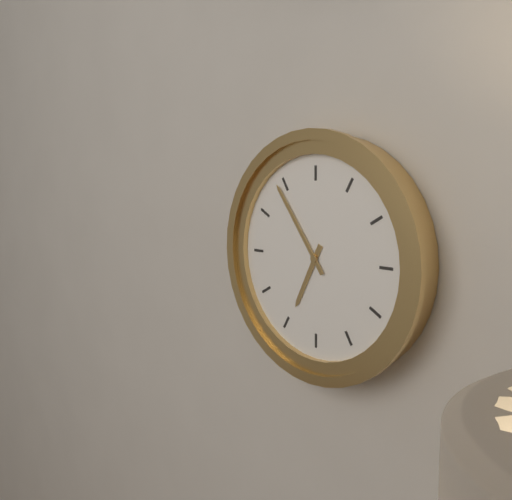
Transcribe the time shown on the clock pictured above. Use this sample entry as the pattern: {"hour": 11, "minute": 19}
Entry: {"hour": 6, "minute": 54}
